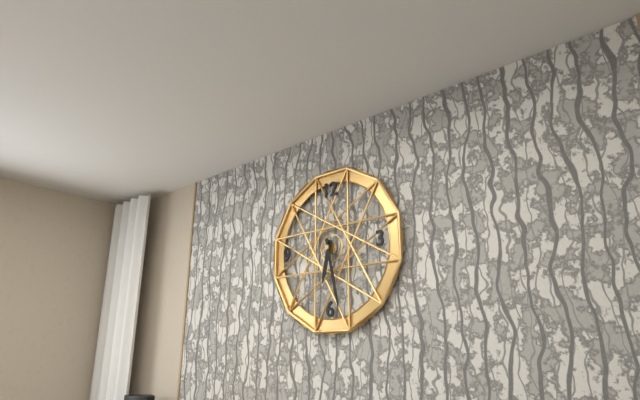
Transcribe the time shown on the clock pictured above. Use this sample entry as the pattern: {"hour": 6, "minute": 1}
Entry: {"hour": 6, "minute": 28}
